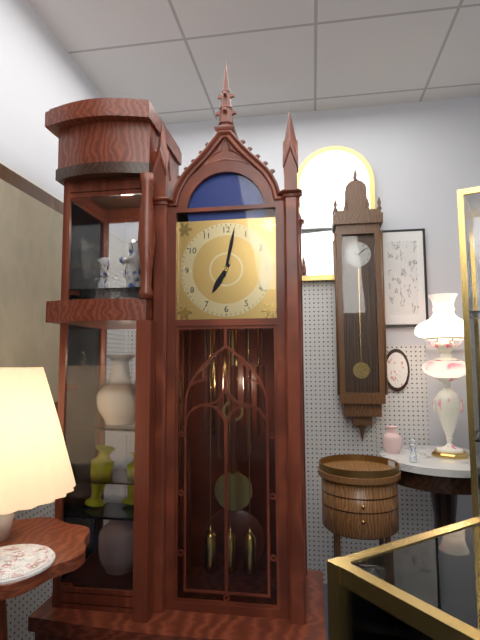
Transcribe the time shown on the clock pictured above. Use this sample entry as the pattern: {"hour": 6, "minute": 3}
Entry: {"hour": 7, "minute": 2}
